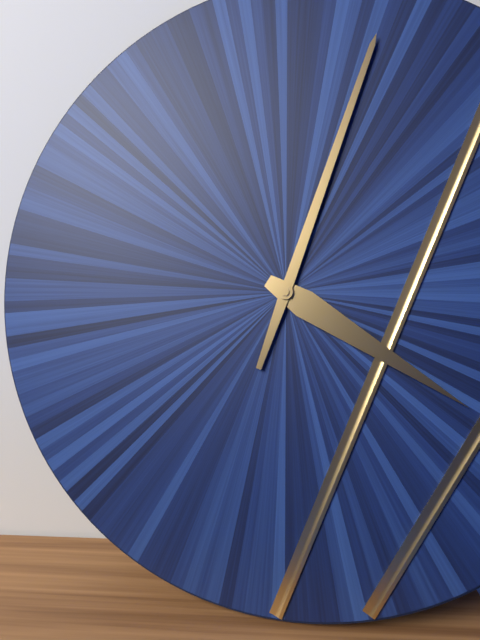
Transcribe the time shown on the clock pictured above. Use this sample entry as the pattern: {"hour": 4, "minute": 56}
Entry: {"hour": 4, "minute": 3}
